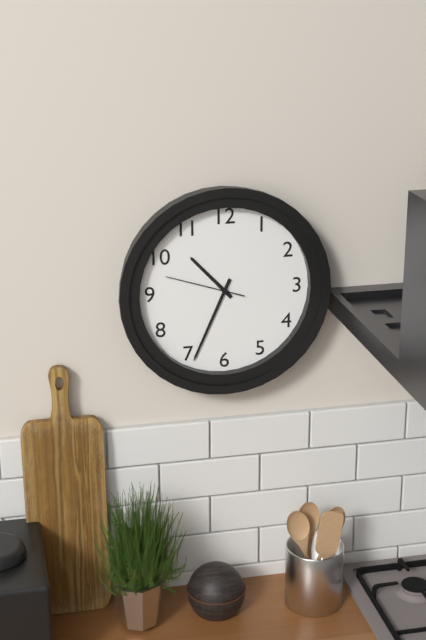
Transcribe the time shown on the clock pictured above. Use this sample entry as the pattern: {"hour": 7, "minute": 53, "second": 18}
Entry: {"hour": 10, "minute": 34, "second": 48}
